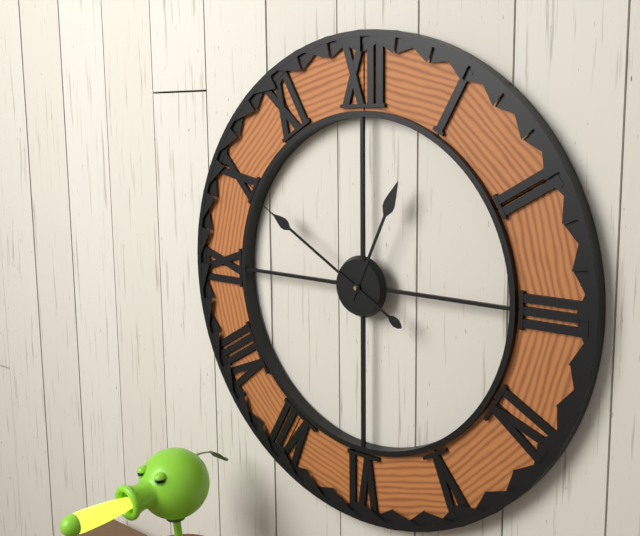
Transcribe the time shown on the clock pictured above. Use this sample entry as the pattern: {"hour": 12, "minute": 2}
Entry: {"hour": 12, "minute": 50}
